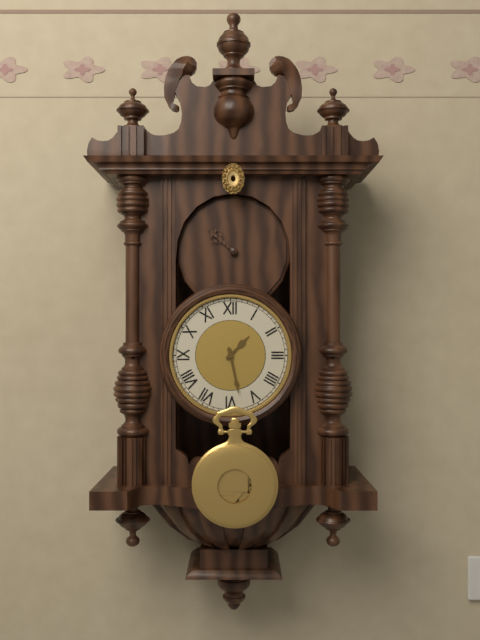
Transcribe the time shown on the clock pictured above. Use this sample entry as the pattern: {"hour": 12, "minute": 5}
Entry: {"hour": 1, "minute": 28}
